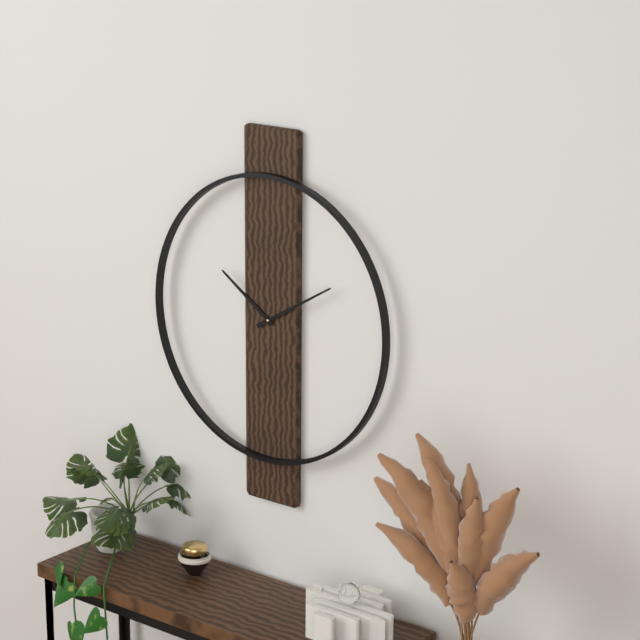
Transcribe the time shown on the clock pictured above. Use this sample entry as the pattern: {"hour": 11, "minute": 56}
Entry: {"hour": 10, "minute": 10}
